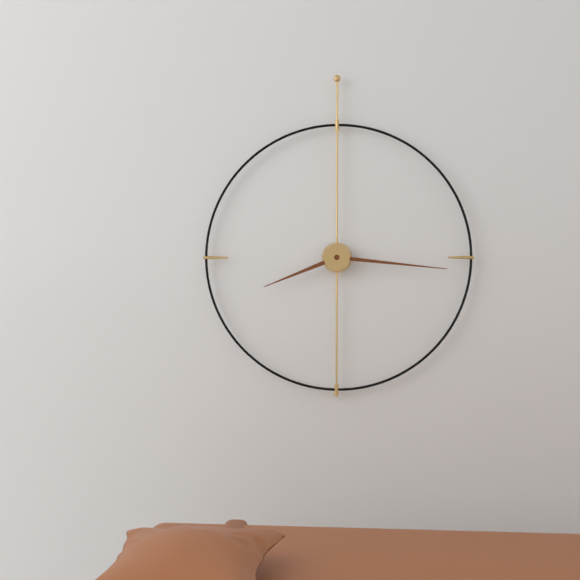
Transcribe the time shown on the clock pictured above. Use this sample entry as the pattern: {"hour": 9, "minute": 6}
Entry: {"hour": 8, "minute": 16}
